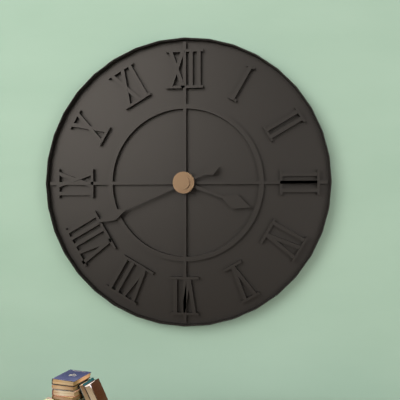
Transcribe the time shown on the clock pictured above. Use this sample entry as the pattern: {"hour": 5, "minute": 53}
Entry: {"hour": 3, "minute": 41}
